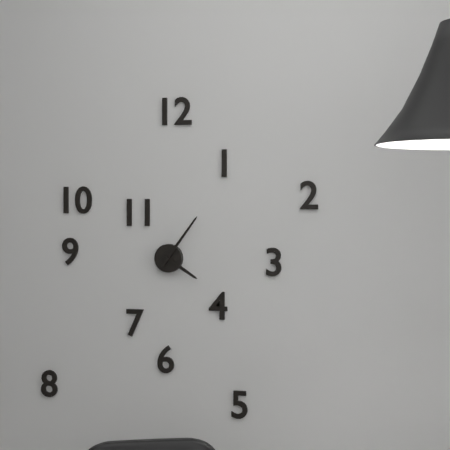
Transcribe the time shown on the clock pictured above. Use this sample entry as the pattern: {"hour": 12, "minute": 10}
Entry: {"hour": 4, "minute": 6}
